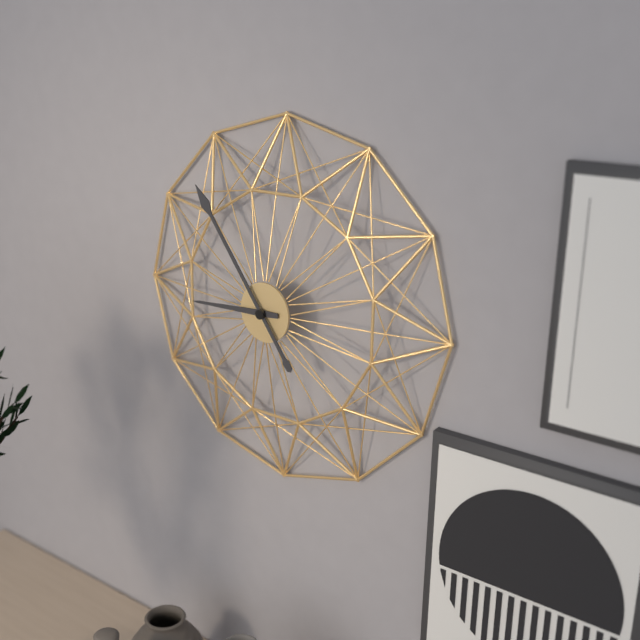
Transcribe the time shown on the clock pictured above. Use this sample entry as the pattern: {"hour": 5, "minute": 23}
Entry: {"hour": 8, "minute": 54}
